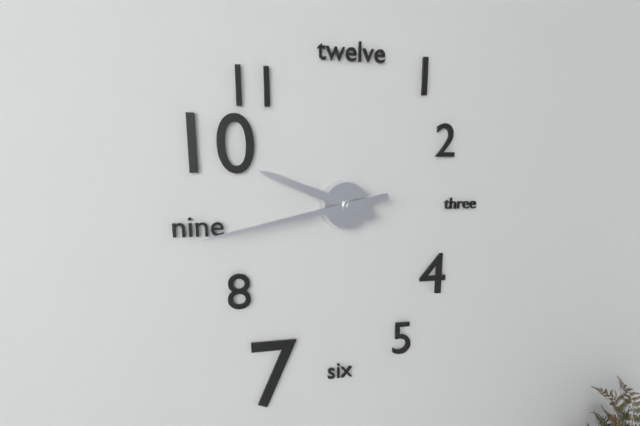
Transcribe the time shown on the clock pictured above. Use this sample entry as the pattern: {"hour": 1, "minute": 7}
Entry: {"hour": 9, "minute": 43}
